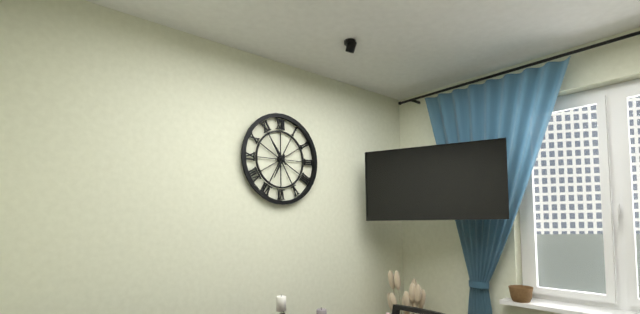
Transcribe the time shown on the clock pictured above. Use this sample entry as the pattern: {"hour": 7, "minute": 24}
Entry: {"hour": 6, "minute": 54}
